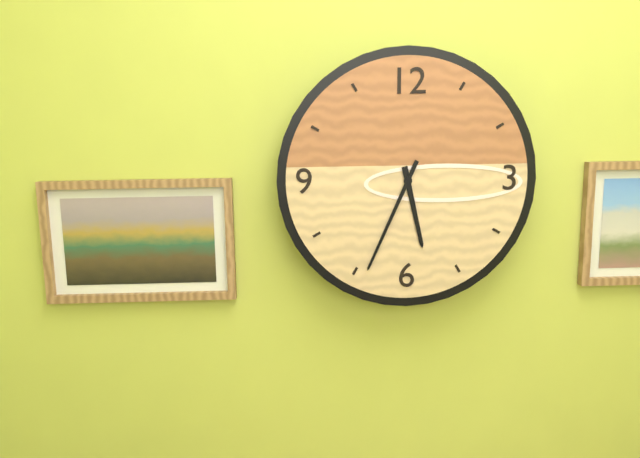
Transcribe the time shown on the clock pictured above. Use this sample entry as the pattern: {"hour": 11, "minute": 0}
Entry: {"hour": 5, "minute": 34}
